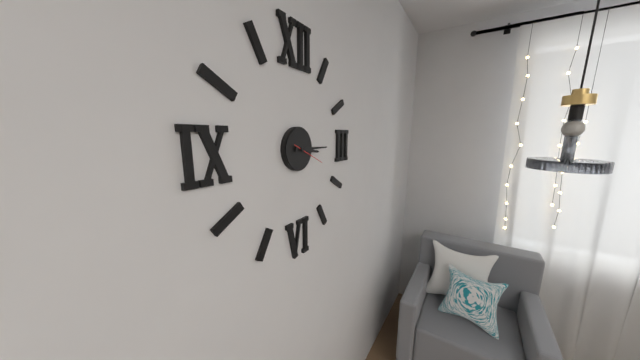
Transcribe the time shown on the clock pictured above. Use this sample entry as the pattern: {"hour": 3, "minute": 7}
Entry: {"hour": 3, "minute": 15}
